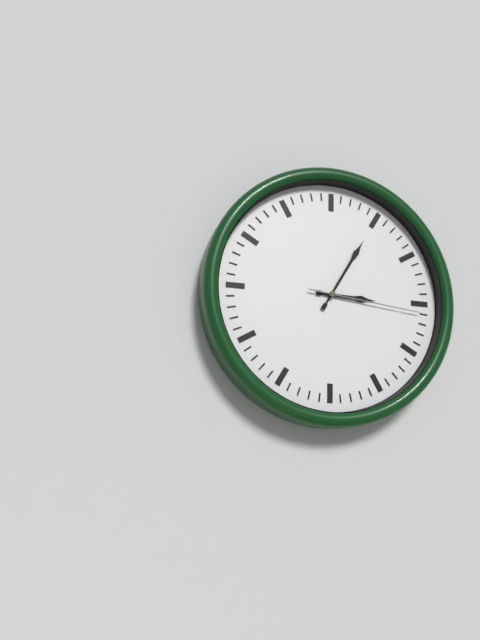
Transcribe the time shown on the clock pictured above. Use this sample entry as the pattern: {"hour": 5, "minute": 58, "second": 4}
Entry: {"hour": 3, "minute": 5, "second": 16}
